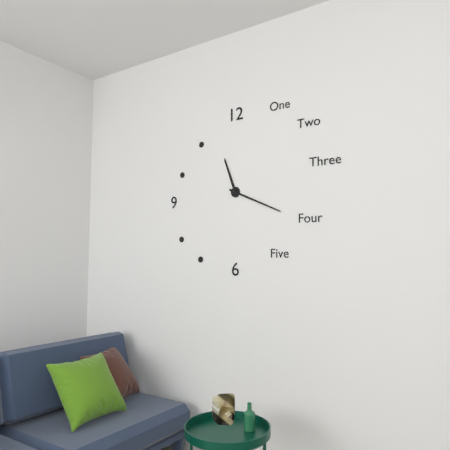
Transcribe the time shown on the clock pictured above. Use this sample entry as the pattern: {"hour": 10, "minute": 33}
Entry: {"hour": 11, "minute": 19}
